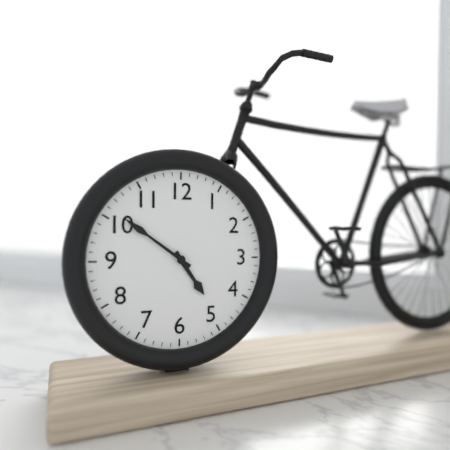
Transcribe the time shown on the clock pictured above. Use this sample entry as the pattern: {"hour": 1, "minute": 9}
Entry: {"hour": 4, "minute": 51}
